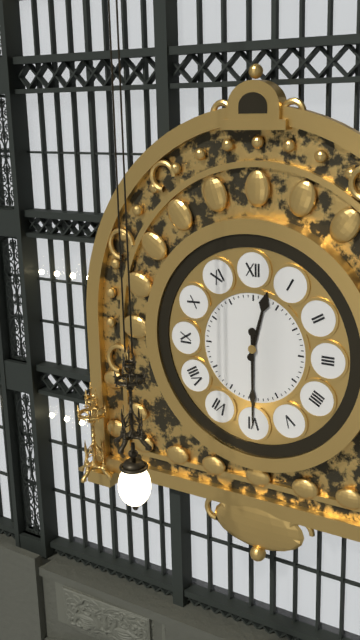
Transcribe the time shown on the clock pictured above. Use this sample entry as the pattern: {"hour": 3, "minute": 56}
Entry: {"hour": 12, "minute": 30}
